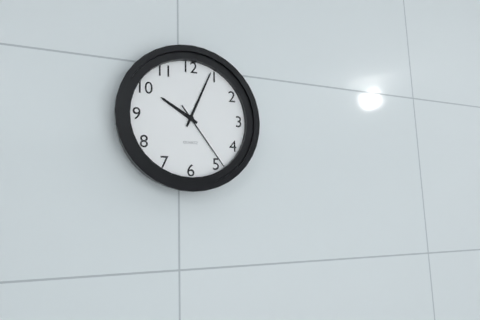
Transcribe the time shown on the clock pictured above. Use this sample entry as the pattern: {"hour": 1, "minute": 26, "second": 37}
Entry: {"hour": 10, "minute": 4, "second": 24}
